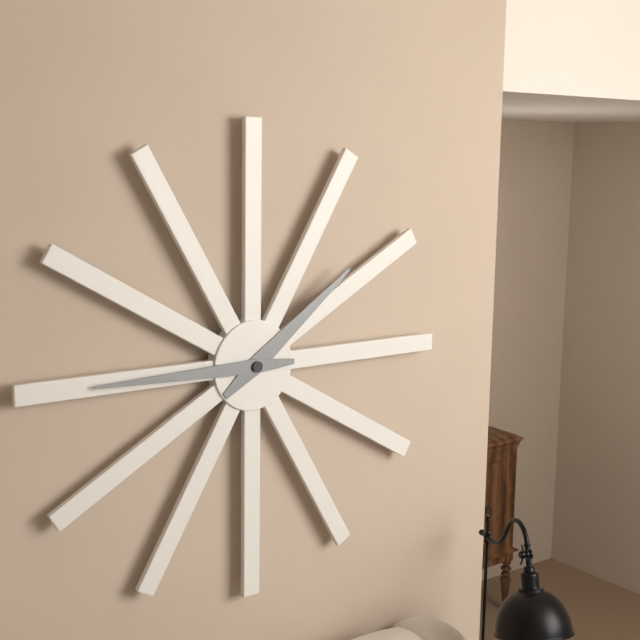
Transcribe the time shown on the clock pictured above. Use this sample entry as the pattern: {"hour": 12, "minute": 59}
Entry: {"hour": 1, "minute": 45}
